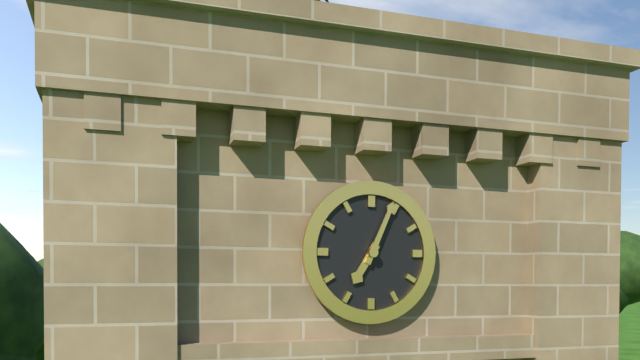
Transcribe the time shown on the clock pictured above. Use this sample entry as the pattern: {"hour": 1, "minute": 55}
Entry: {"hour": 7, "minute": 4}
